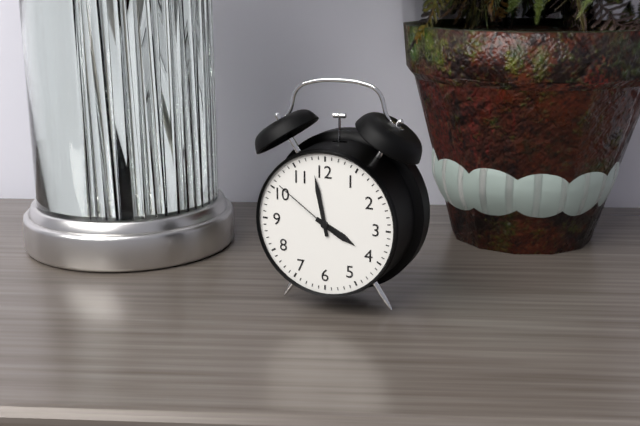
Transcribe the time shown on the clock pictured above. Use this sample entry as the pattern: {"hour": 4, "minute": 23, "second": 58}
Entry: {"hour": 3, "minute": 58, "second": 51}
